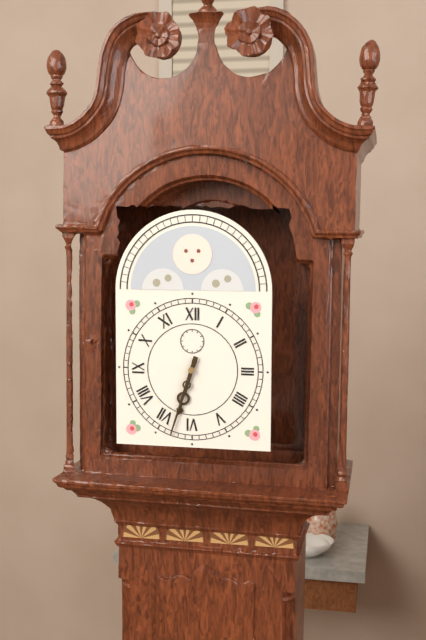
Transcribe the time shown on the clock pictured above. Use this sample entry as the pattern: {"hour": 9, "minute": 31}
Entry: {"hour": 6, "minute": 33}
